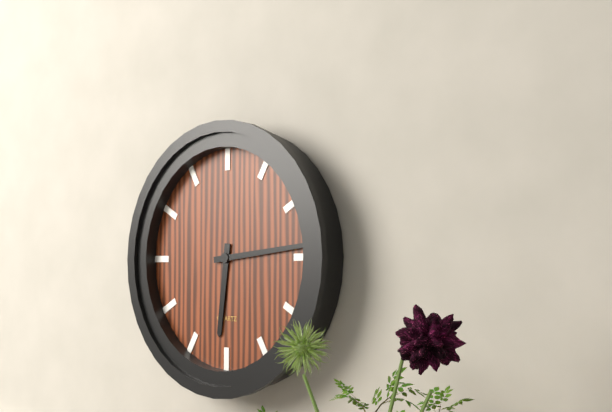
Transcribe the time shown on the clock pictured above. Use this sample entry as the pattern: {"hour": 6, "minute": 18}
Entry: {"hour": 6, "minute": 14}
